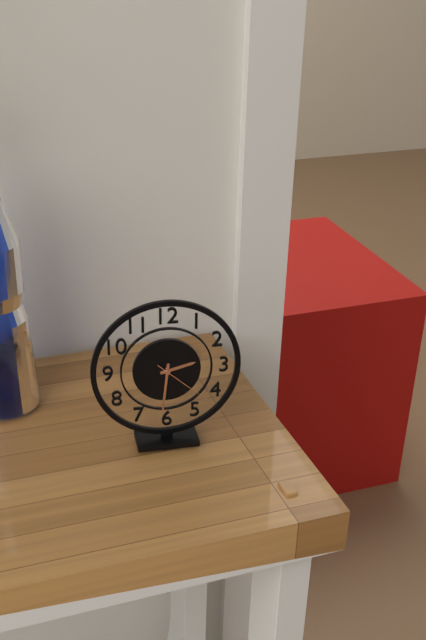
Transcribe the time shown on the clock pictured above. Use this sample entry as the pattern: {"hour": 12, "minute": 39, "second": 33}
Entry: {"hour": 2, "minute": 31, "second": 22}
